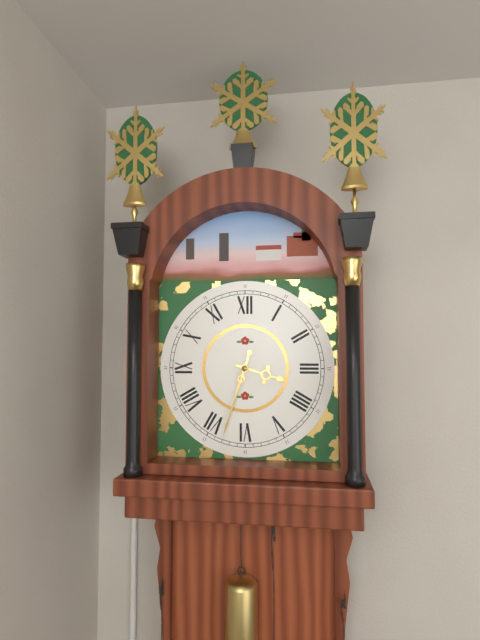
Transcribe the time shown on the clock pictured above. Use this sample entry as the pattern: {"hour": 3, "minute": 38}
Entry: {"hour": 3, "minute": 33}
